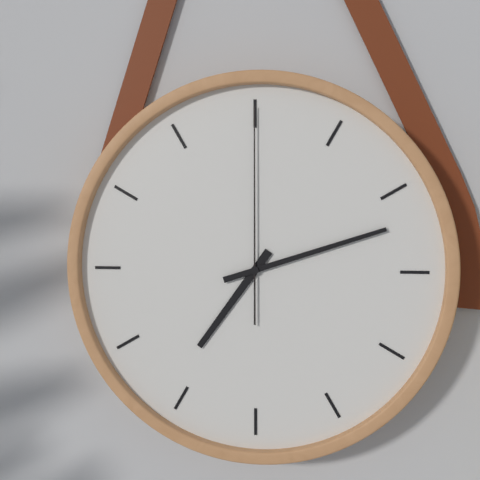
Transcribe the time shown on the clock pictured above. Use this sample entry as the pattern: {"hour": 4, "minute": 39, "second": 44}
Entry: {"hour": 7, "minute": 12, "second": 0}
